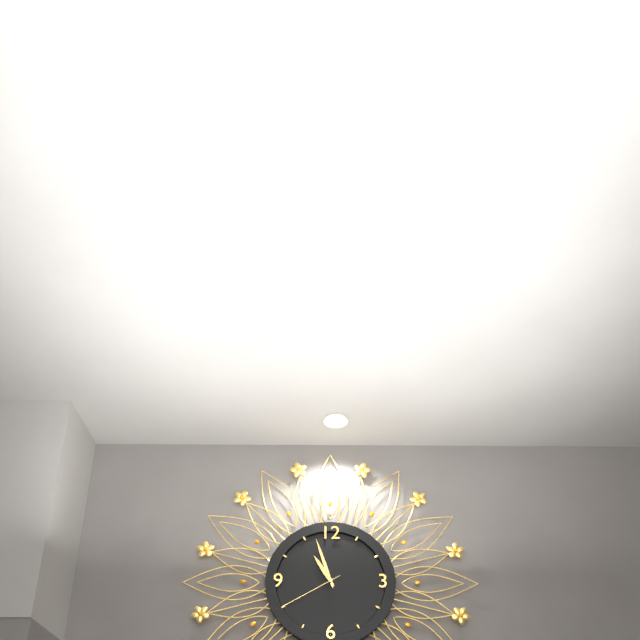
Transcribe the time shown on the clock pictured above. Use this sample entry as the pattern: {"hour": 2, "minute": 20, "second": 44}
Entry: {"hour": 10, "minute": 57, "second": 40}
